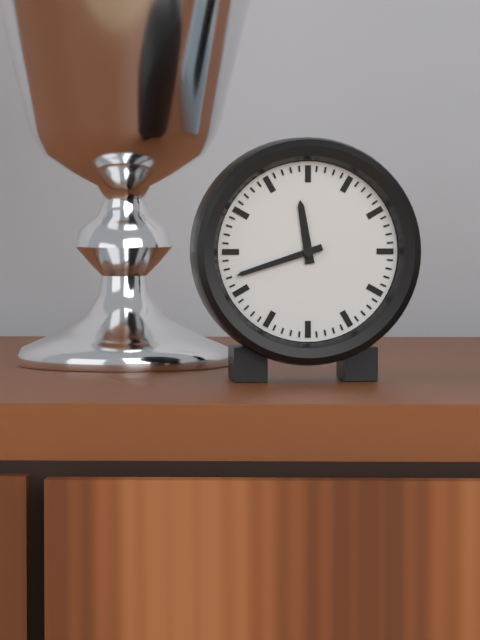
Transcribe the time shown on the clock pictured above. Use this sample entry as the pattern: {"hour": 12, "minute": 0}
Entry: {"hour": 11, "minute": 42}
